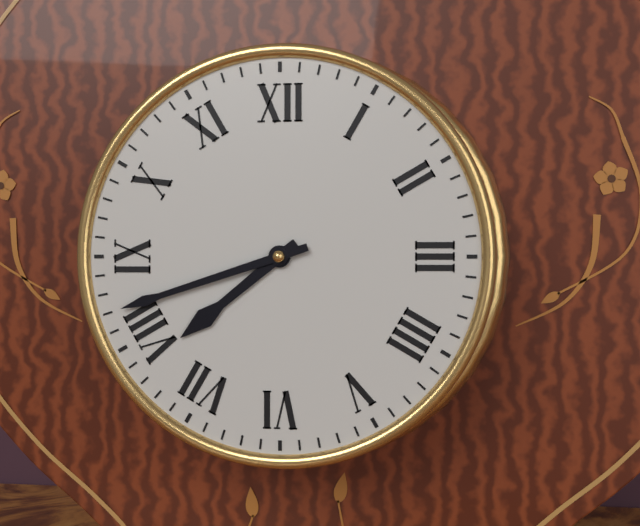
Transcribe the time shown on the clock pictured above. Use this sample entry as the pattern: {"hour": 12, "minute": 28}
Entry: {"hour": 7, "minute": 42}
